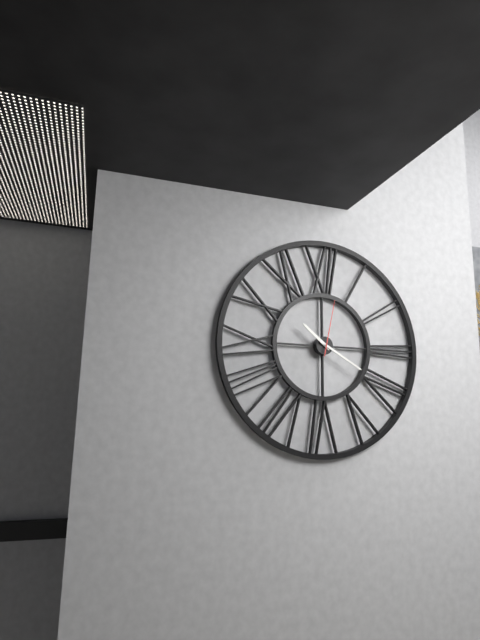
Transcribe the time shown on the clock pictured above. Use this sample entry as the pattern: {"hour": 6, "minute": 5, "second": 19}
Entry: {"hour": 10, "minute": 20, "second": 2}
